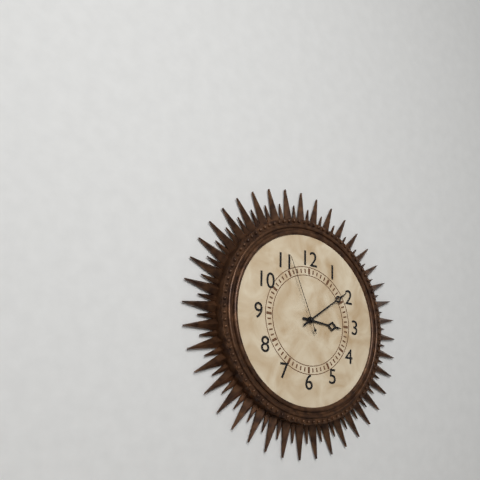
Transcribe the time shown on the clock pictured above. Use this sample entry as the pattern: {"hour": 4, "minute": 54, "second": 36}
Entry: {"hour": 3, "minute": 9, "second": 56}
